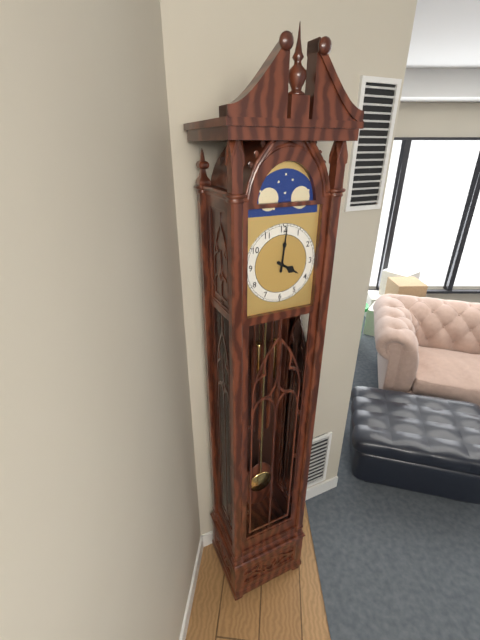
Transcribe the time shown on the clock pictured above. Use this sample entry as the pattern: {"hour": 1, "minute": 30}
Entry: {"hour": 4, "minute": 1}
